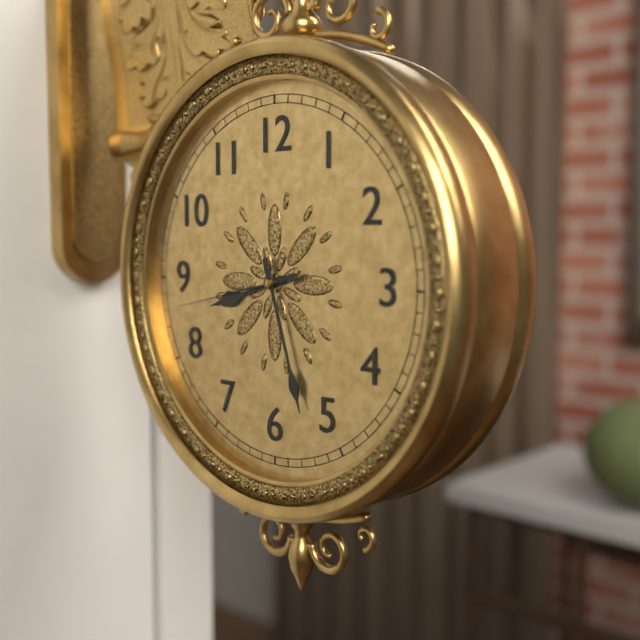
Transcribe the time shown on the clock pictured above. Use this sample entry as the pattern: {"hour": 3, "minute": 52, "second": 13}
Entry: {"hour": 8, "minute": 27, "second": 43}
